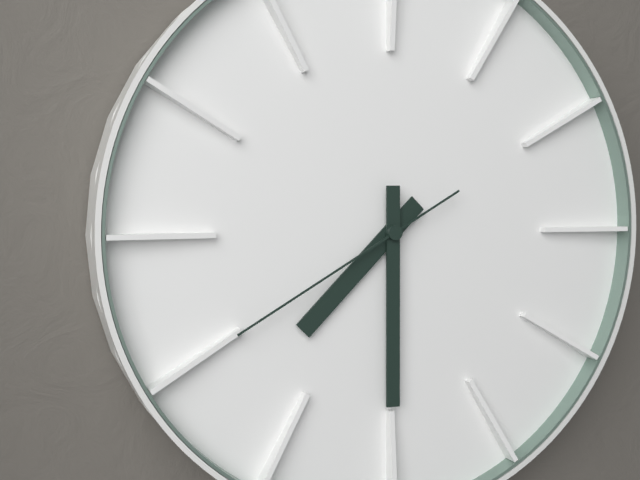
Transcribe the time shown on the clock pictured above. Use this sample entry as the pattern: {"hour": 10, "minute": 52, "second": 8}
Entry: {"hour": 7, "minute": 30, "second": 40}
